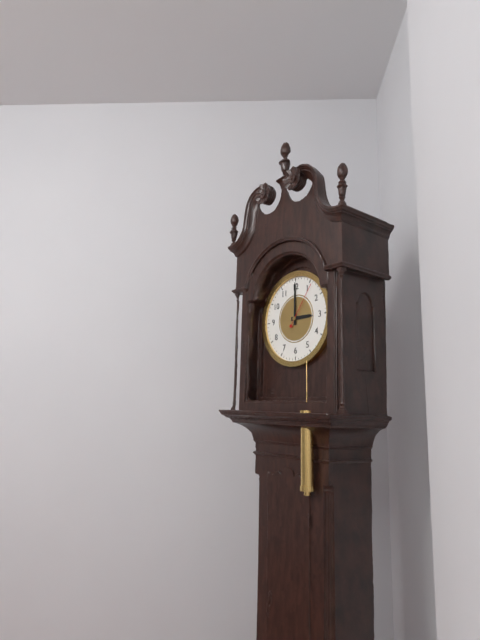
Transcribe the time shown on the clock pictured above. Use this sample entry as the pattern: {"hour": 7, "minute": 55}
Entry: {"hour": 3, "minute": 0}
